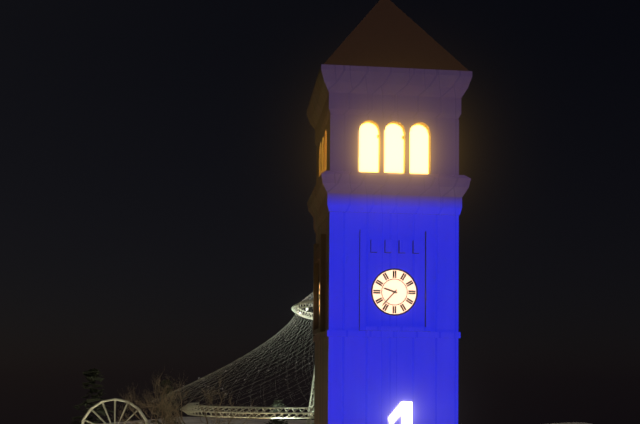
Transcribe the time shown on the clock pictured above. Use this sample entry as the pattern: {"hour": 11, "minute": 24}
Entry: {"hour": 9, "minute": 37}
